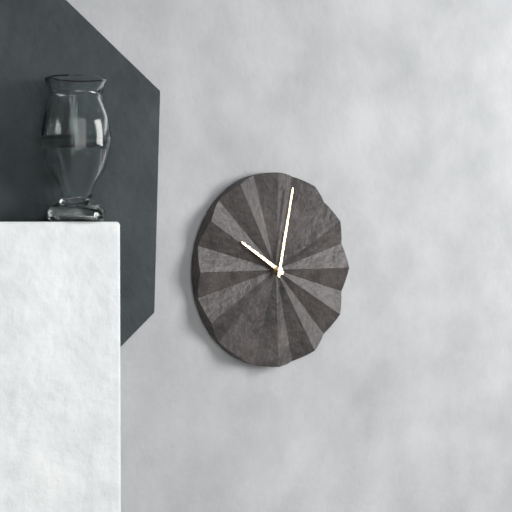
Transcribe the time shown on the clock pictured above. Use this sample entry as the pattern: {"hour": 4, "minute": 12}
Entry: {"hour": 10, "minute": 2}
